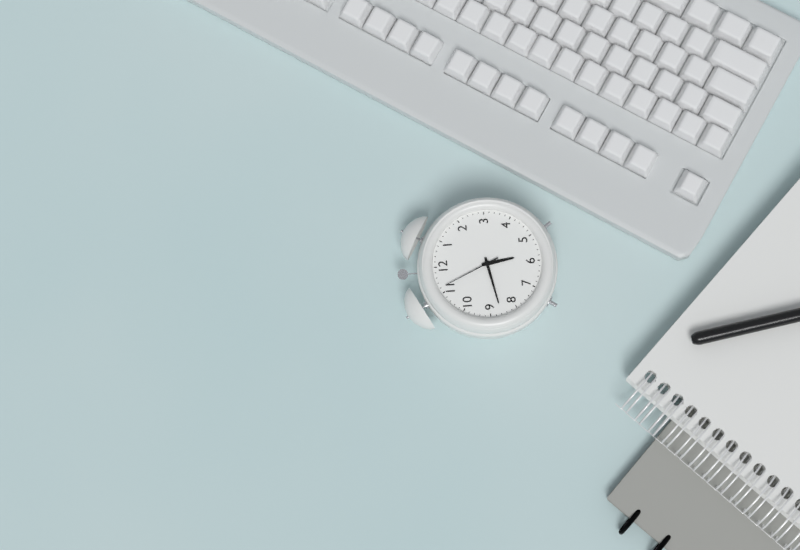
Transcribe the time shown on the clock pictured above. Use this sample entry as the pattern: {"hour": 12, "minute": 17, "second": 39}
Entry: {"hour": 5, "minute": 43, "second": 56}
